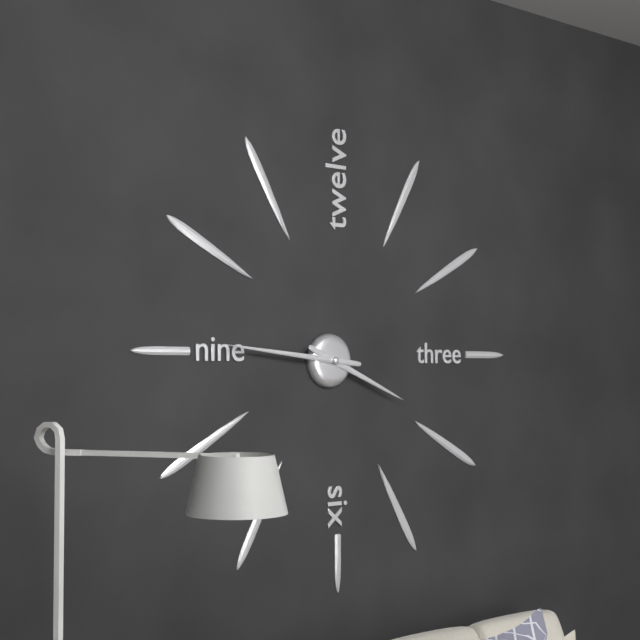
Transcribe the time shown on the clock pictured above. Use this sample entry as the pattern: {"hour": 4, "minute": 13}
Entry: {"hour": 3, "minute": 46}
